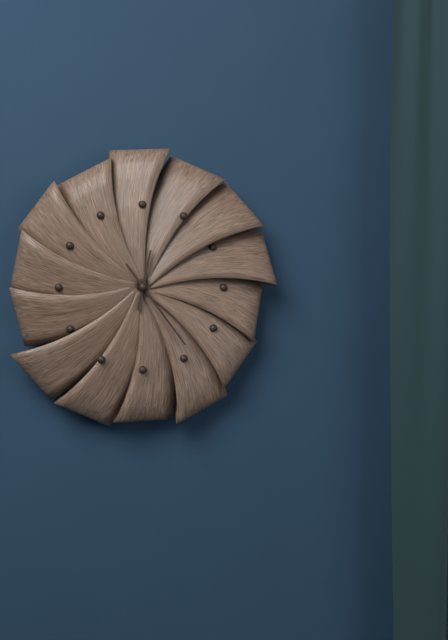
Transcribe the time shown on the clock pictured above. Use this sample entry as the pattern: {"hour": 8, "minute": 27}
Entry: {"hour": 12, "minute": 24}
